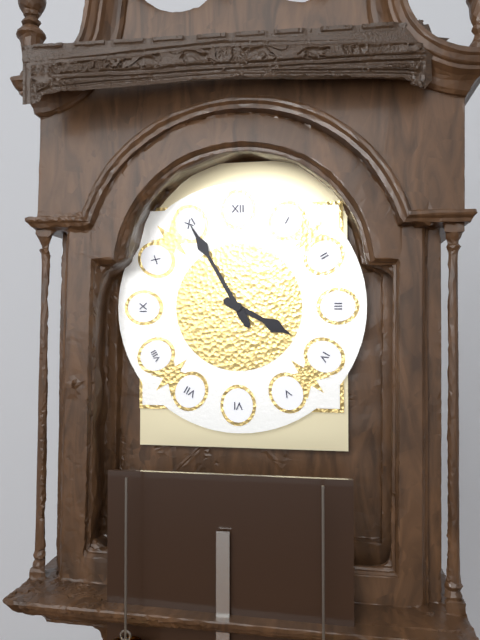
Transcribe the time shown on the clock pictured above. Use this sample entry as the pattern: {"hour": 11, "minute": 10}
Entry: {"hour": 3, "minute": 55}
